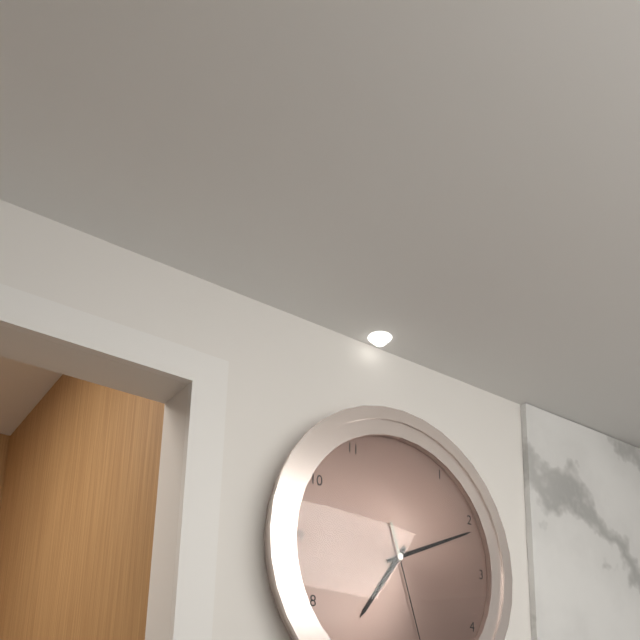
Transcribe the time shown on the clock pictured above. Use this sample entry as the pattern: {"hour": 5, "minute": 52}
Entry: {"hour": 7, "minute": 11}
